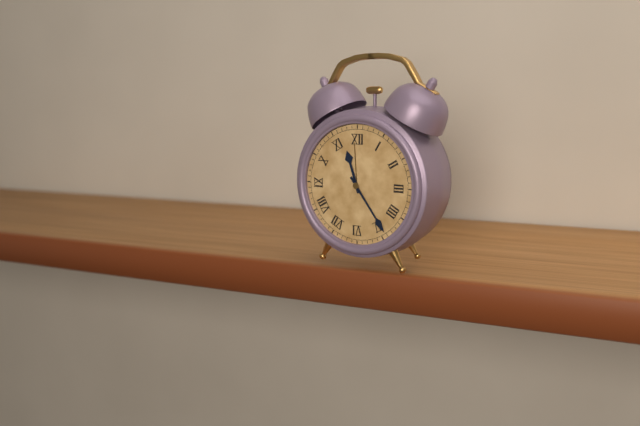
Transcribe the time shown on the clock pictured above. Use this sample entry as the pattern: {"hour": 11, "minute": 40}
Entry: {"hour": 11, "minute": 24}
